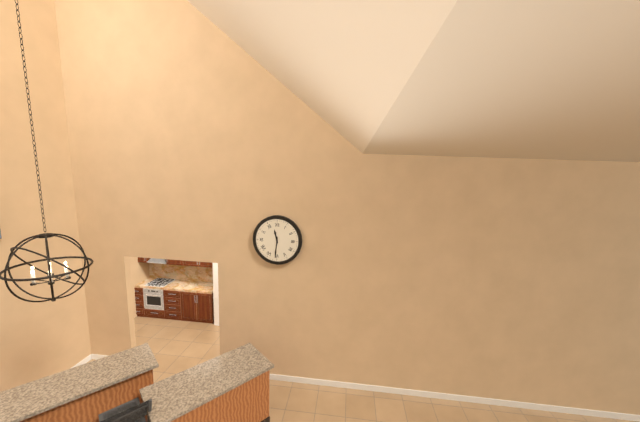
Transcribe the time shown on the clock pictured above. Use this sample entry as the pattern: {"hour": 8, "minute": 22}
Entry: {"hour": 11, "minute": 31}
